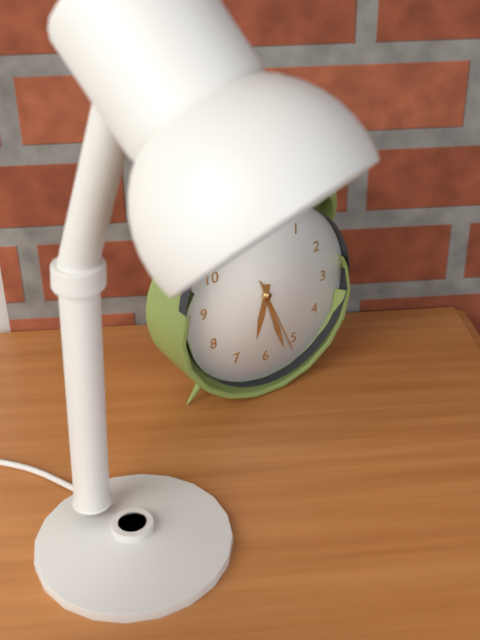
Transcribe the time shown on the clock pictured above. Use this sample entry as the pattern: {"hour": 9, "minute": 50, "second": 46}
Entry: {"hour": 6, "minute": 27, "second": 26}
